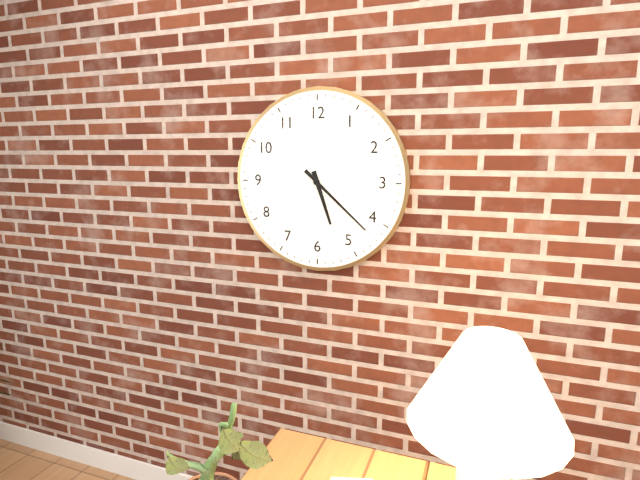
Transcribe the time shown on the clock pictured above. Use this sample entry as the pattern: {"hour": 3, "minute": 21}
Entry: {"hour": 5, "minute": 22}
